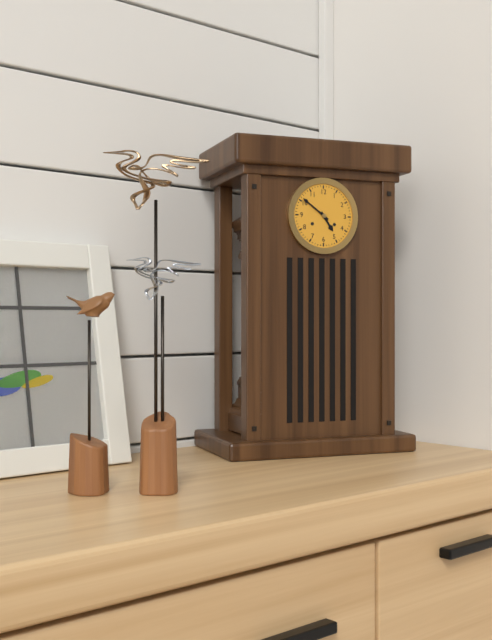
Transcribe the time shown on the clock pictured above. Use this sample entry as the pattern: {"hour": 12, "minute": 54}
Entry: {"hour": 4, "minute": 51}
